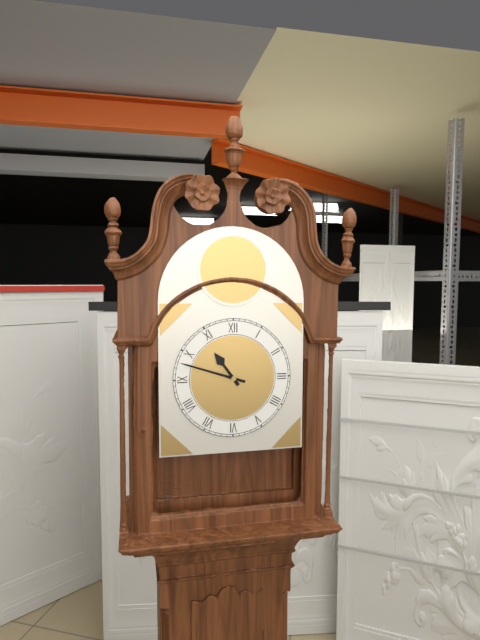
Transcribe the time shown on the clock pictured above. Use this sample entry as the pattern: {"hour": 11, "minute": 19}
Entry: {"hour": 10, "minute": 48}
